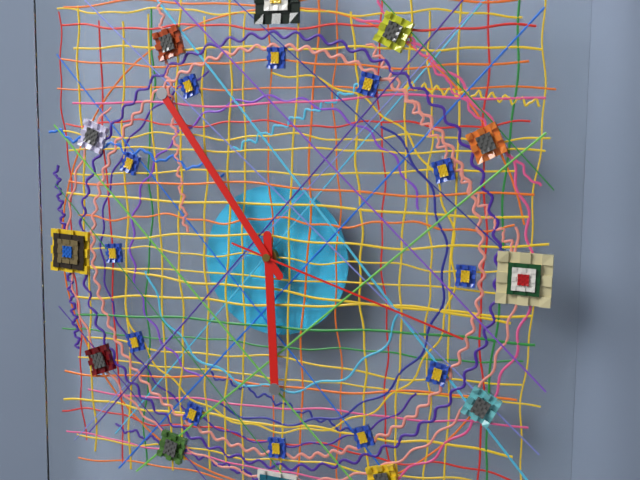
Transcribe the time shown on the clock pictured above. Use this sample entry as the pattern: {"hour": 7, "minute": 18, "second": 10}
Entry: {"hour": 5, "minute": 54, "second": 18}
